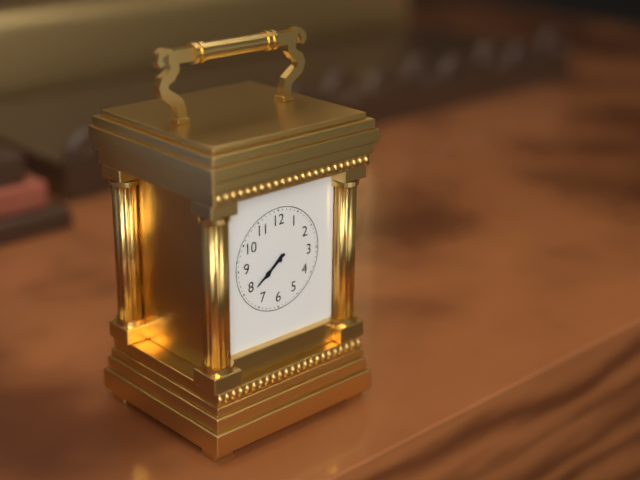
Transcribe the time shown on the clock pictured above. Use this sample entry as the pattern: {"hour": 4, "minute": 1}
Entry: {"hour": 7, "minute": 39}
